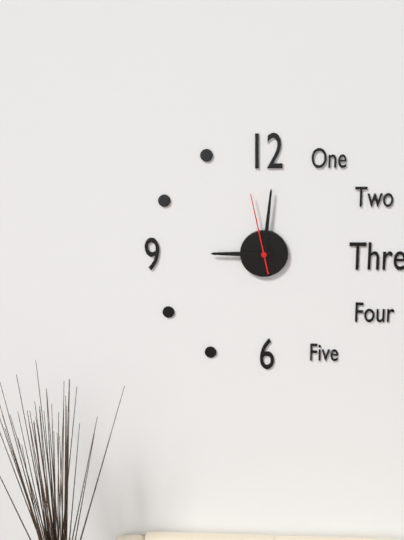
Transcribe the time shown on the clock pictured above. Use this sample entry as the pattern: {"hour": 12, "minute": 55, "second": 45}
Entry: {"hour": 9, "minute": 1, "second": 58}
